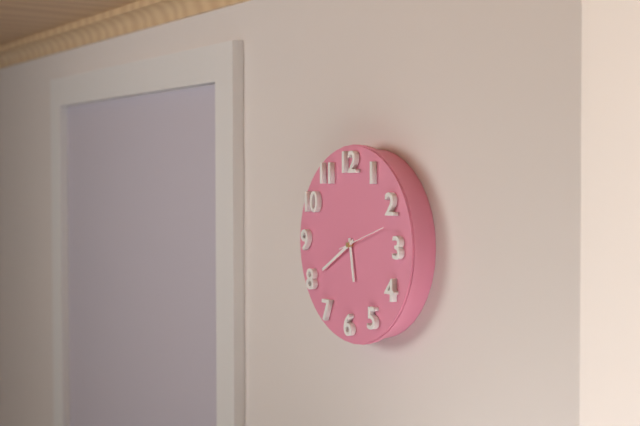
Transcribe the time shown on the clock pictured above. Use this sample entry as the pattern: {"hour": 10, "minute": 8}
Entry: {"hour": 5, "minute": 40}
